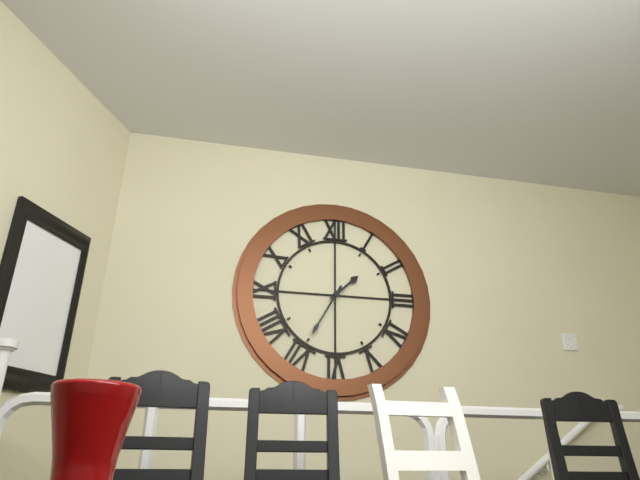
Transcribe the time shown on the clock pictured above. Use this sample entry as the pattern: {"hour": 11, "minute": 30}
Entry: {"hour": 1, "minute": 35}
